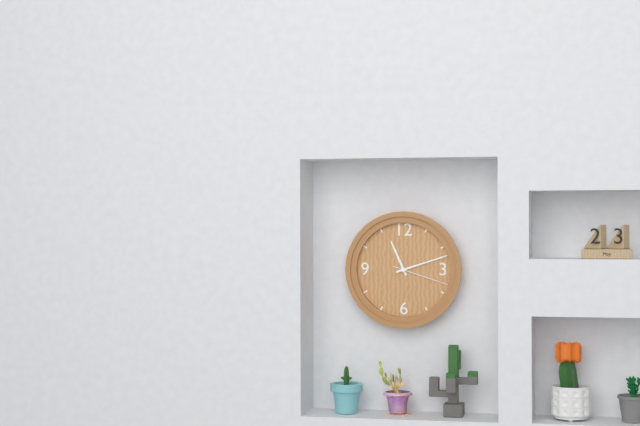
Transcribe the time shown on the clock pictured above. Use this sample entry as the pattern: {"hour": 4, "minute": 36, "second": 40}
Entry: {"hour": 11, "minute": 12, "second": 18}
